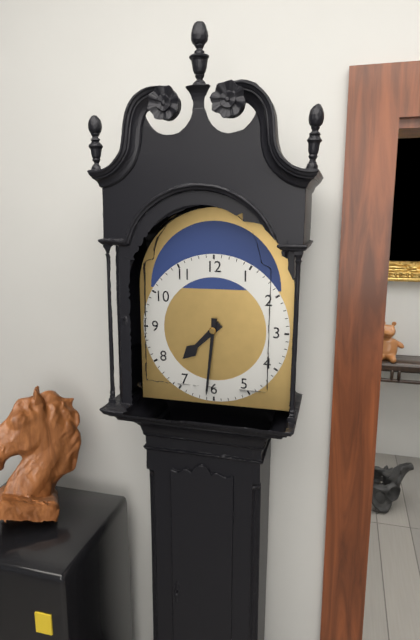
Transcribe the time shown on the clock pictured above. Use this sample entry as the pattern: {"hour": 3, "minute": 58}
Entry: {"hour": 7, "minute": 31}
